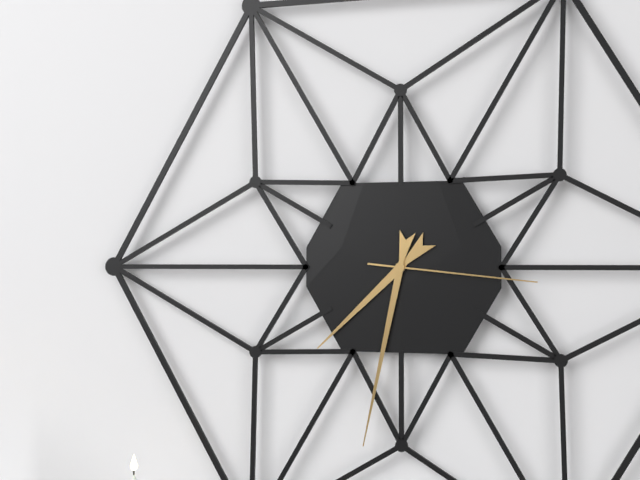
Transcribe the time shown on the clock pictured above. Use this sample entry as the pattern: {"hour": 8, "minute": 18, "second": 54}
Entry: {"hour": 7, "minute": 32, "second": 16}
